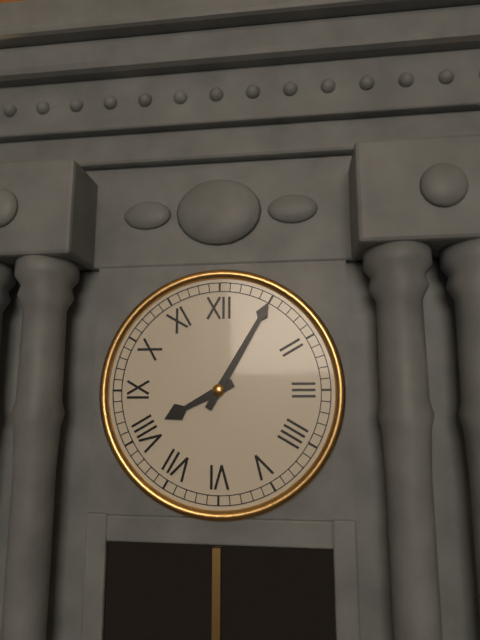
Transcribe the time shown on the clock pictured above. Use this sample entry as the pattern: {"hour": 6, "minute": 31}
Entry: {"hour": 8, "minute": 5}
